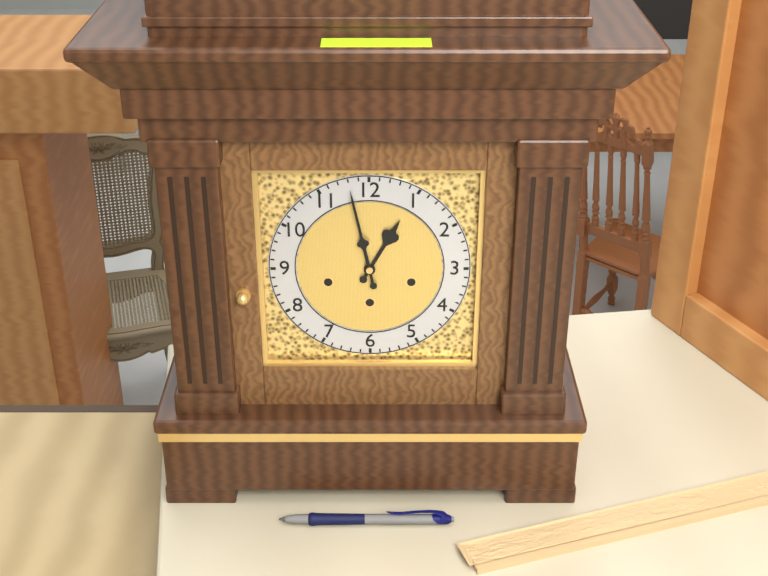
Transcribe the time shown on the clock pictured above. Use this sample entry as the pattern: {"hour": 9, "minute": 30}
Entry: {"hour": 12, "minute": 58}
